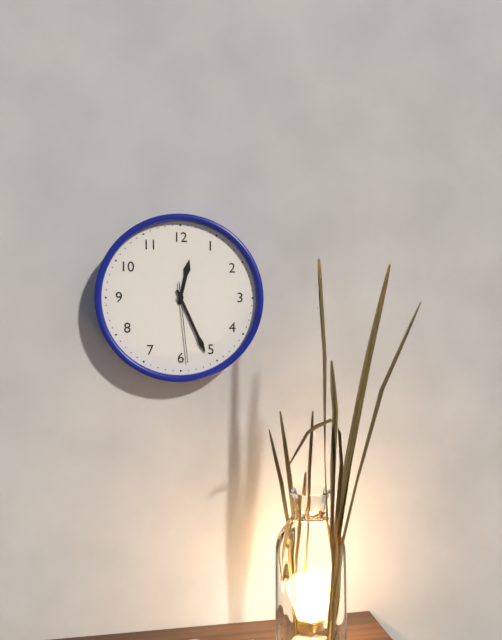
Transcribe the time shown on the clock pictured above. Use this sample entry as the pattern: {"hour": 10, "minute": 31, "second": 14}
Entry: {"hour": 12, "minute": 26, "second": 29}
